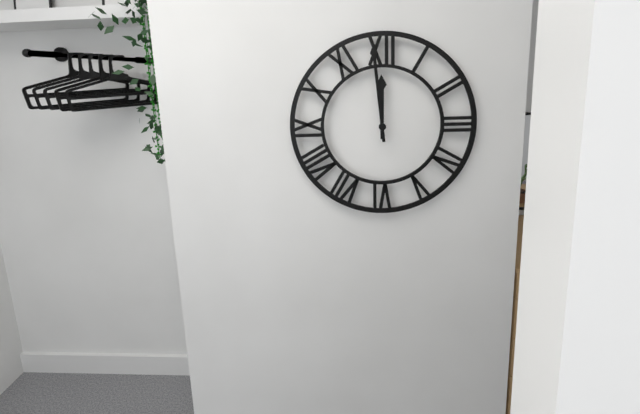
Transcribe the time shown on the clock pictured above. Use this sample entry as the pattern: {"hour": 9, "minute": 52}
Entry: {"hour": 11, "minute": 59}
